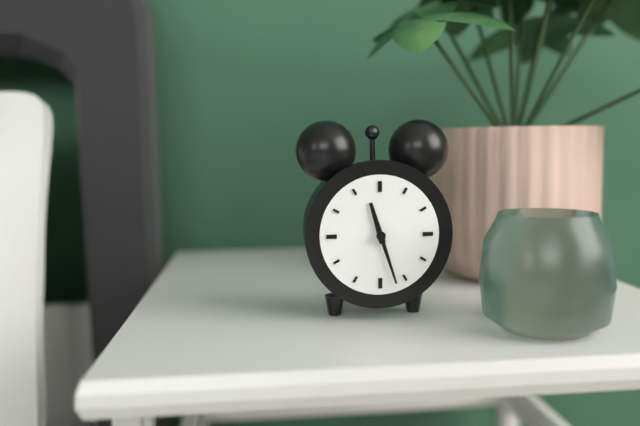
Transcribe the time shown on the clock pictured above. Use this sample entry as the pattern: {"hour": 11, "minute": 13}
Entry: {"hour": 11, "minute": 27}
